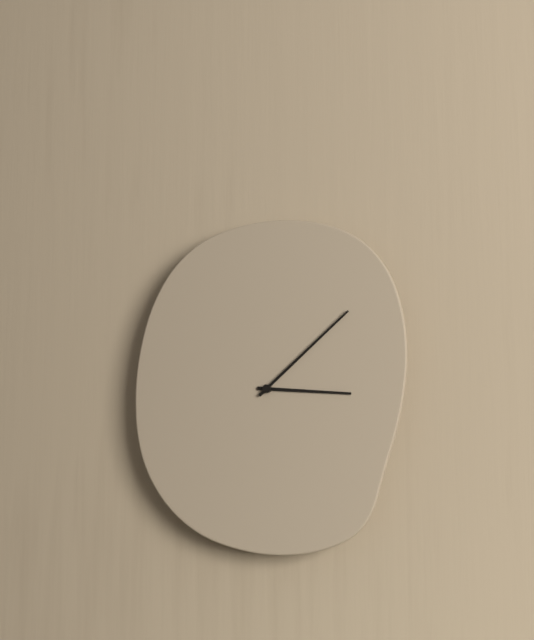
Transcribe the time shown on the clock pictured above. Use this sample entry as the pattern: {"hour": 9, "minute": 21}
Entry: {"hour": 3, "minute": 8}
